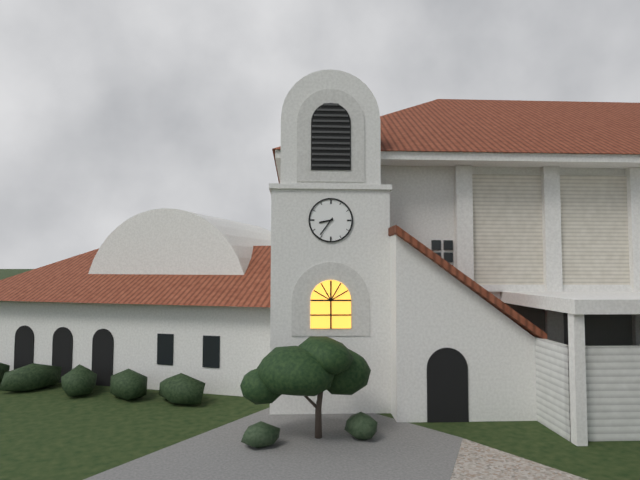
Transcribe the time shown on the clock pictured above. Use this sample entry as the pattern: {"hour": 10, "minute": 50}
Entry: {"hour": 8, "minute": 36}
